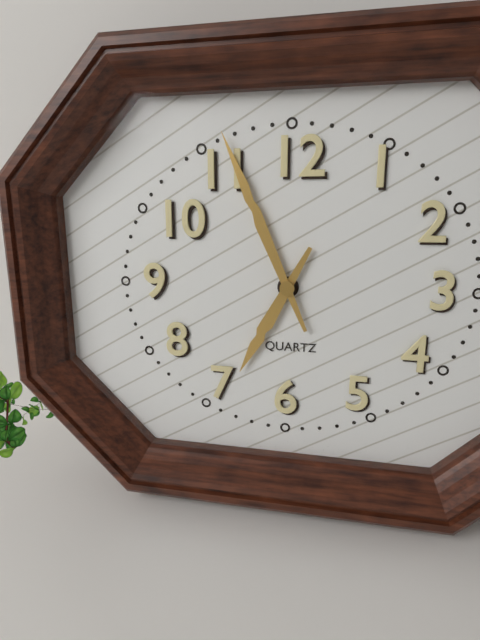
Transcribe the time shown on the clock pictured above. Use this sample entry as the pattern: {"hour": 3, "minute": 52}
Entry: {"hour": 6, "minute": 56}
